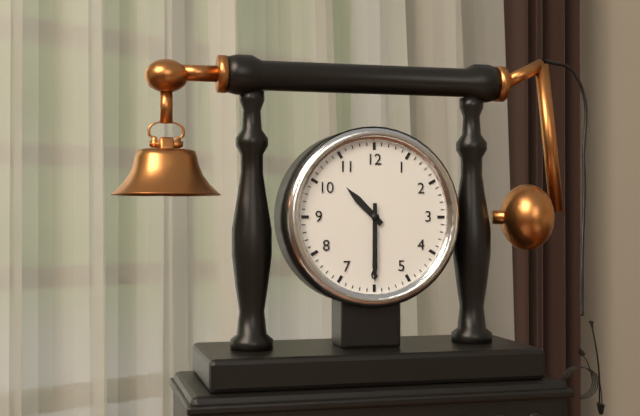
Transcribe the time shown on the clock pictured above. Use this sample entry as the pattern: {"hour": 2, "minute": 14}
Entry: {"hour": 10, "minute": 30}
